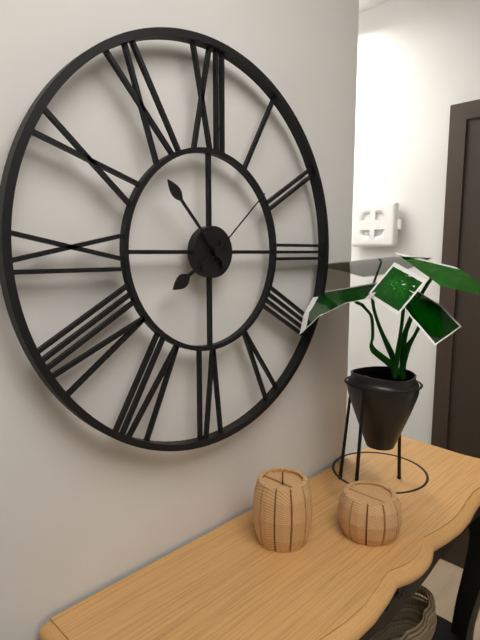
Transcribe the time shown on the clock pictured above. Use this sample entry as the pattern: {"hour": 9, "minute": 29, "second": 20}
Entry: {"hour": 7, "minute": 53, "second": 8}
